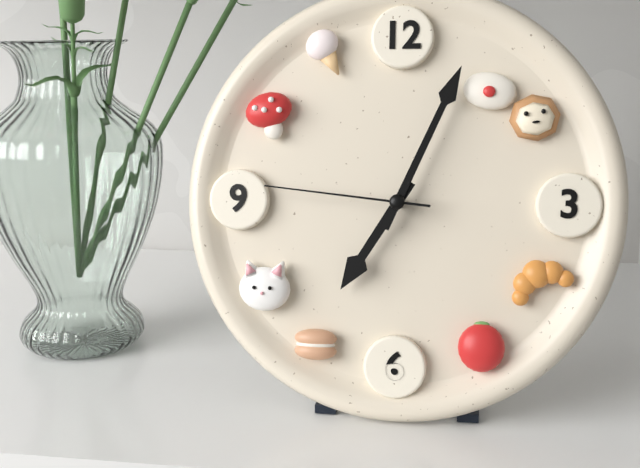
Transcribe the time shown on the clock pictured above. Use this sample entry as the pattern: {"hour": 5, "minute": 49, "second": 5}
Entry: {"hour": 7, "minute": 4, "second": 46}
